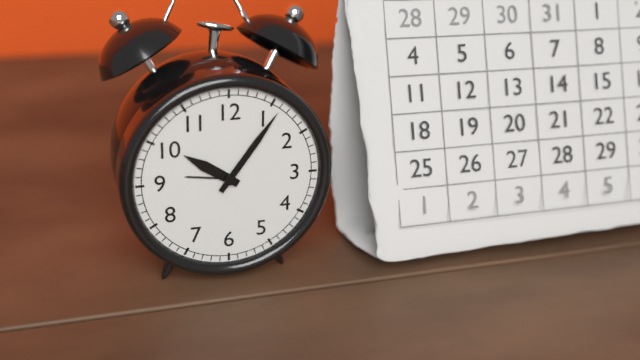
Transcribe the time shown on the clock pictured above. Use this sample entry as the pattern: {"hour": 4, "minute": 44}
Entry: {"hour": 10, "minute": 6}
